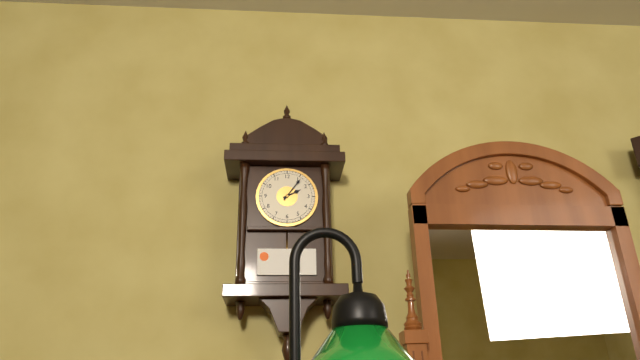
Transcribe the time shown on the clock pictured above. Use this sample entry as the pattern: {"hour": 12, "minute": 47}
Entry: {"hour": 2, "minute": 6}
